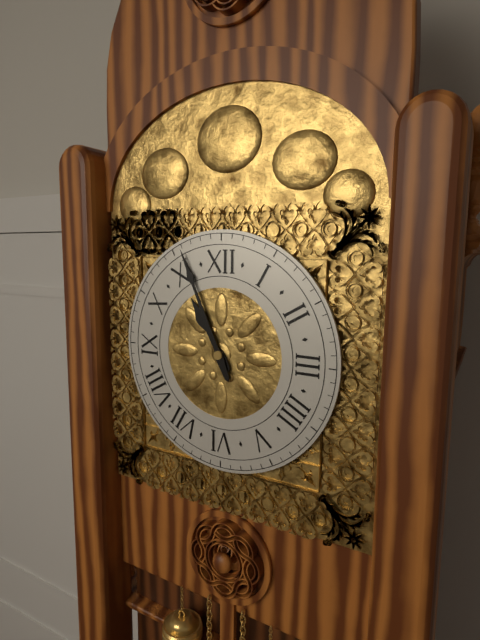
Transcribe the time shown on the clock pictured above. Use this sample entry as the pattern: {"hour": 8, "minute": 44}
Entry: {"hour": 10, "minute": 56}
